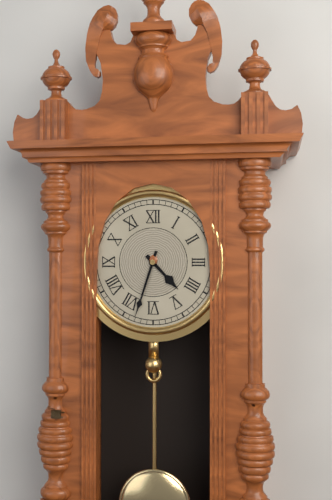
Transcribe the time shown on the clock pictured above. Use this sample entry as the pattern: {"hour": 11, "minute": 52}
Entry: {"hour": 4, "minute": 33}
